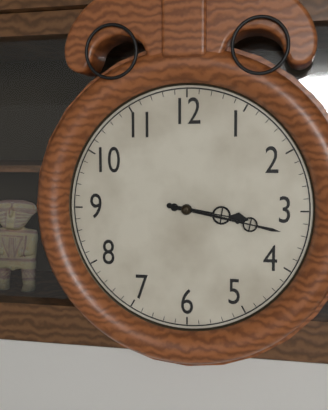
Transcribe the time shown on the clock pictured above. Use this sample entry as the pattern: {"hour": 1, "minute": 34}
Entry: {"hour": 3, "minute": 17}
